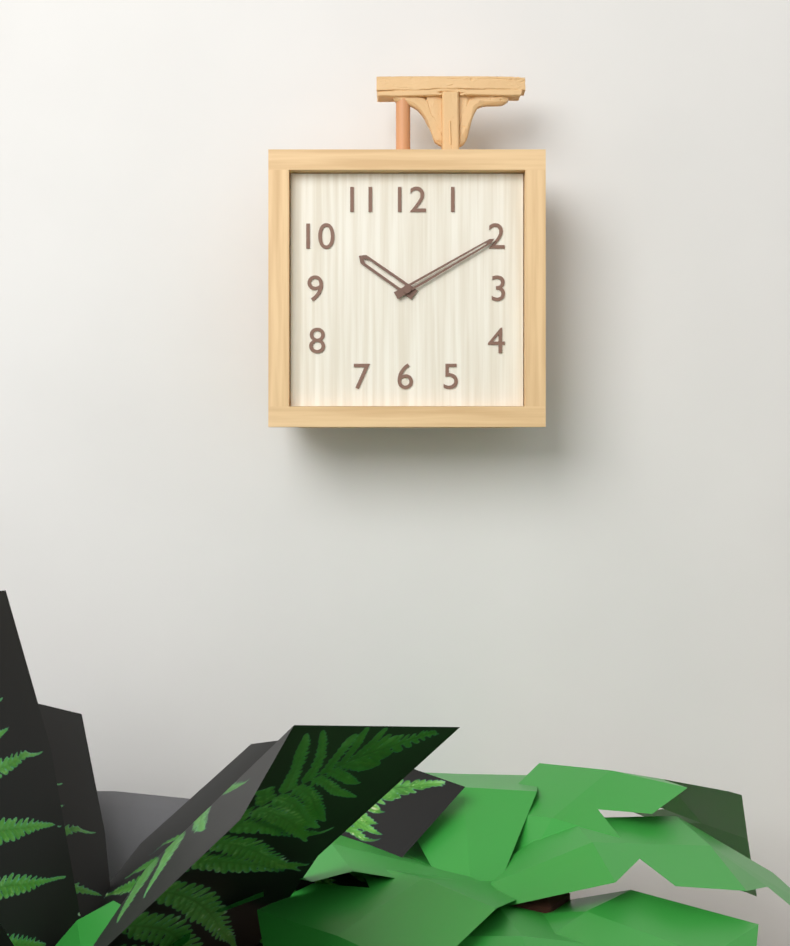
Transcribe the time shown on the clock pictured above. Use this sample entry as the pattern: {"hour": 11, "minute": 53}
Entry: {"hour": 10, "minute": 10}
